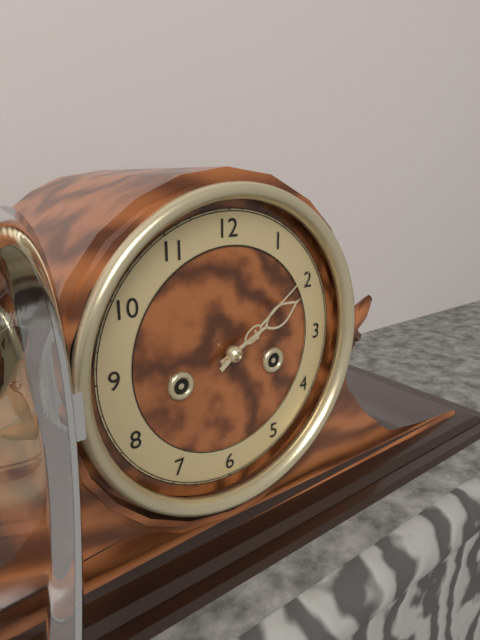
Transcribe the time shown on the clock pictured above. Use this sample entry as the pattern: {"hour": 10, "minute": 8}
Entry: {"hour": 2, "minute": 9}
